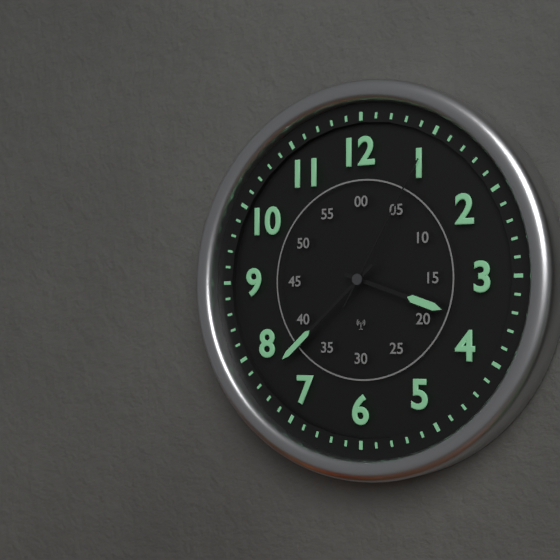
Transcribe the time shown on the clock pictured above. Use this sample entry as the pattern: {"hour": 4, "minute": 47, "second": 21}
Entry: {"hour": 3, "minute": 38, "second": 5}
